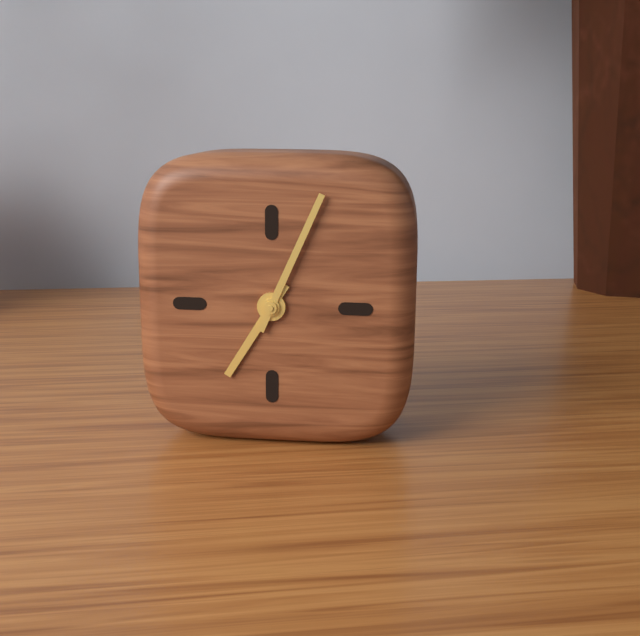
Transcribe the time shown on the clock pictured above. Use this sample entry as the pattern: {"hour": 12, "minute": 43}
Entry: {"hour": 7, "minute": 4}
